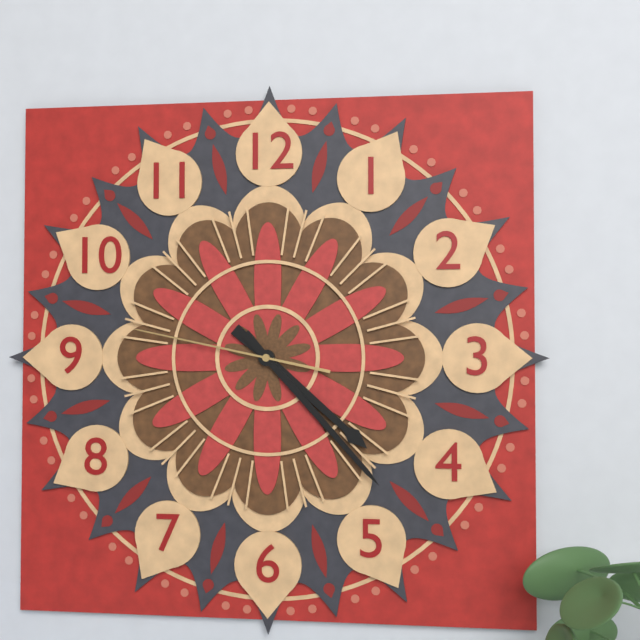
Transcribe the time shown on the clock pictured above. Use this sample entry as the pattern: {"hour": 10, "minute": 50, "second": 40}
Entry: {"hour": 4, "minute": 23, "second": 47}
